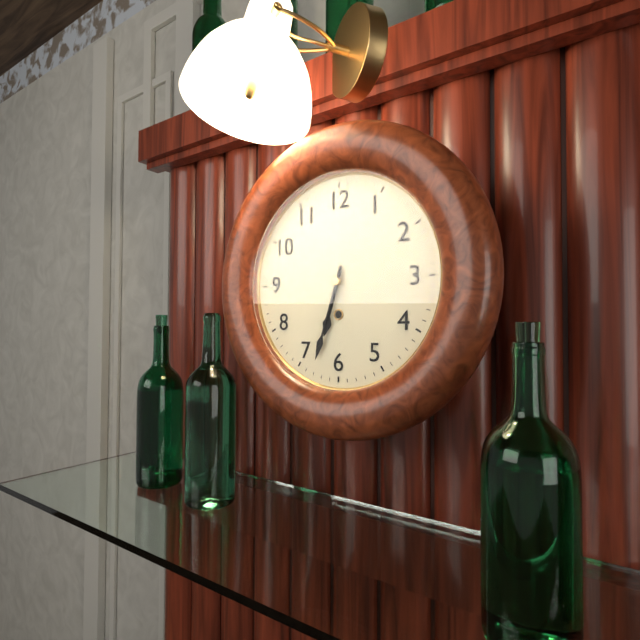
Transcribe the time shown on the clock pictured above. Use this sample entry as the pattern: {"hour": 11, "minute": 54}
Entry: {"hour": 6, "minute": 33}
